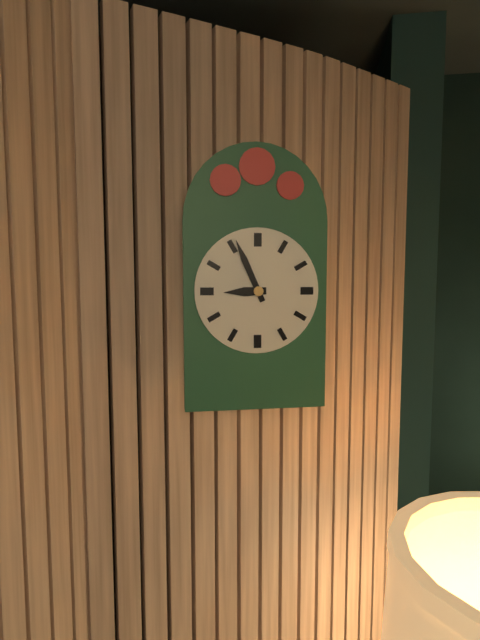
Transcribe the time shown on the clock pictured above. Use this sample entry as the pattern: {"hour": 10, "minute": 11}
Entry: {"hour": 8, "minute": 56}
